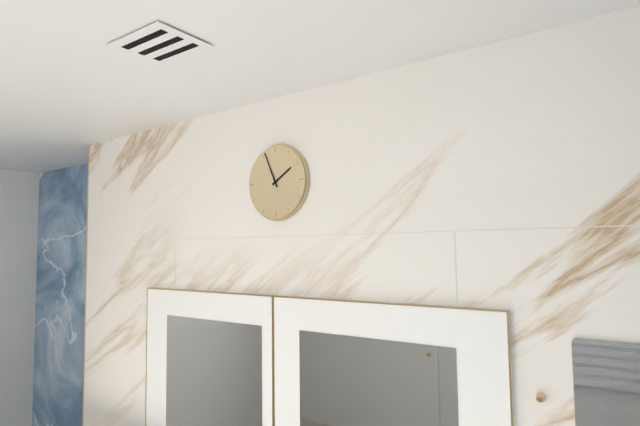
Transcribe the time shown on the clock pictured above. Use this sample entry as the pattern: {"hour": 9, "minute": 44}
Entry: {"hour": 1, "minute": 56}
